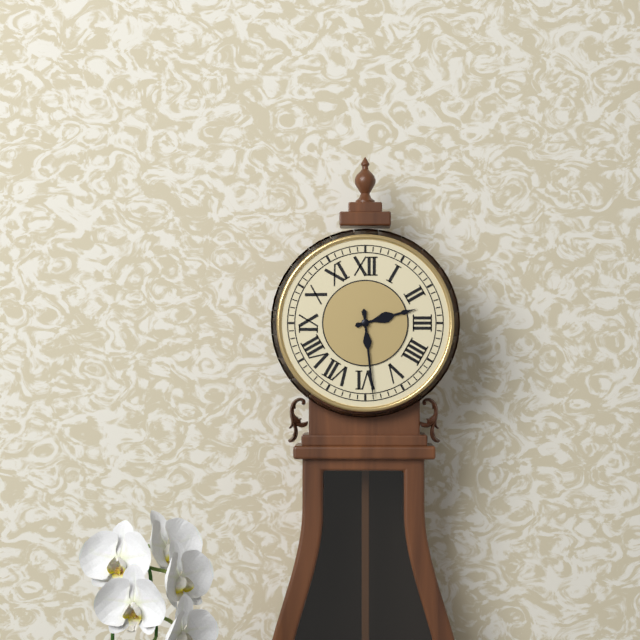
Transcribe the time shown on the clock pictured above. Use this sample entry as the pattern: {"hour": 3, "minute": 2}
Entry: {"hour": 2, "minute": 29}
